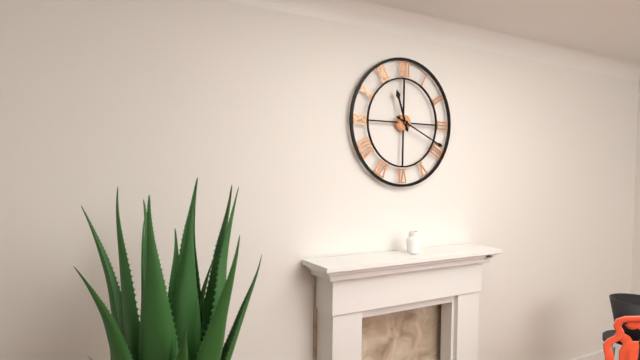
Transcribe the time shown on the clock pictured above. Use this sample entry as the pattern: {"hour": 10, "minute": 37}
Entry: {"hour": 11, "minute": 19}
